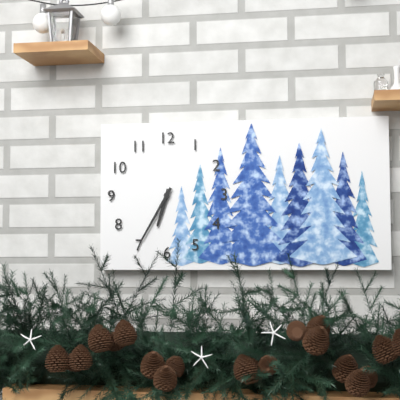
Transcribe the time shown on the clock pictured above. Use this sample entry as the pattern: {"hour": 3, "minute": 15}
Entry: {"hour": 6, "minute": 35}
